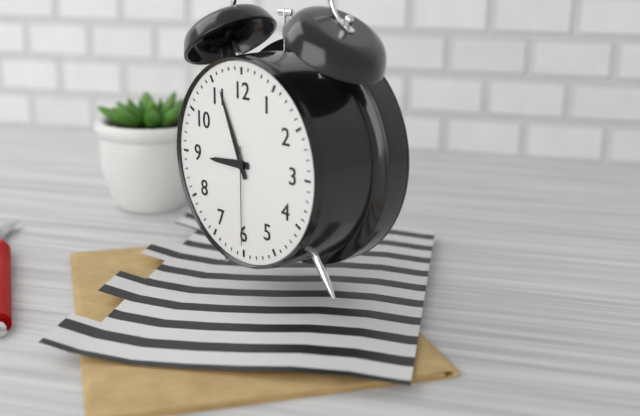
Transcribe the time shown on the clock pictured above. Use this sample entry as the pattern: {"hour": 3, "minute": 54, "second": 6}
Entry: {"hour": 8, "minute": 56, "second": 30}
